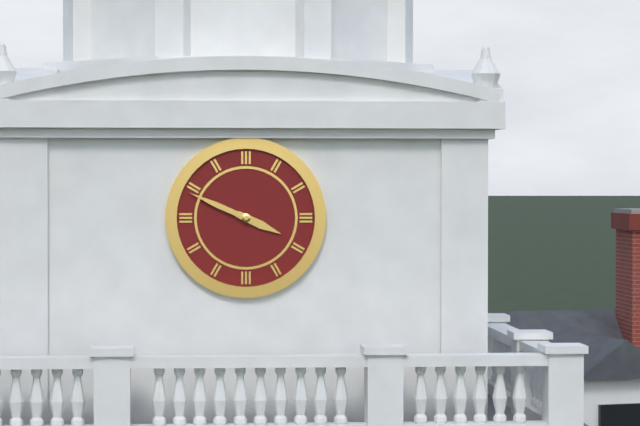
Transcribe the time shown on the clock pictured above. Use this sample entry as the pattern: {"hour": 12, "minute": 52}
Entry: {"hour": 3, "minute": 49}
